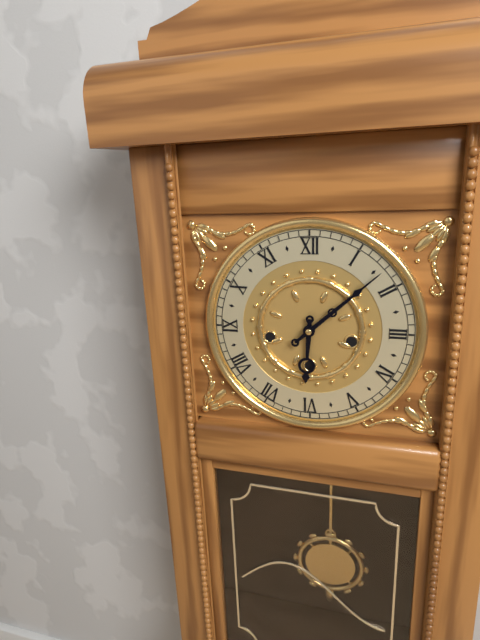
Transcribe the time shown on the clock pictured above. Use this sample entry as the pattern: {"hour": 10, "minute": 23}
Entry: {"hour": 6, "minute": 8}
